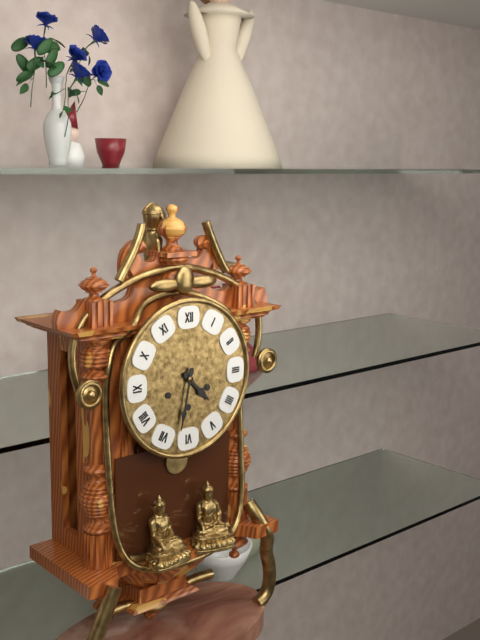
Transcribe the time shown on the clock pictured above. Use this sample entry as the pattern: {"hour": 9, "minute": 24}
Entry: {"hour": 4, "minute": 32}
